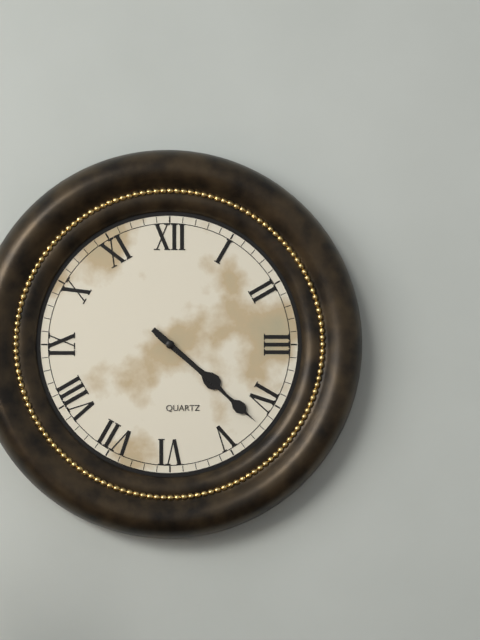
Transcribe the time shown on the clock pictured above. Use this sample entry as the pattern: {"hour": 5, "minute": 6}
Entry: {"hour": 4, "minute": 22}
